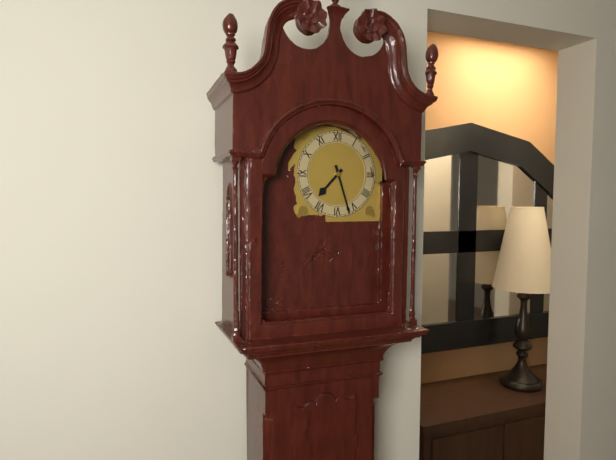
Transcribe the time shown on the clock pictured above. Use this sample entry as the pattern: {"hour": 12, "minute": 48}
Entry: {"hour": 7, "minute": 27}
